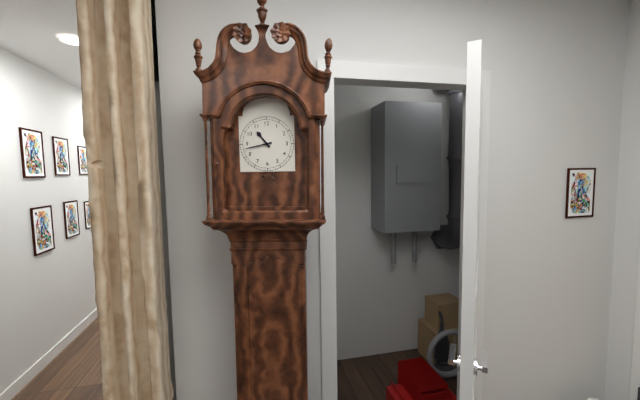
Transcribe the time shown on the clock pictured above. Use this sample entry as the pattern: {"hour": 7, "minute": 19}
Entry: {"hour": 10, "minute": 43}
